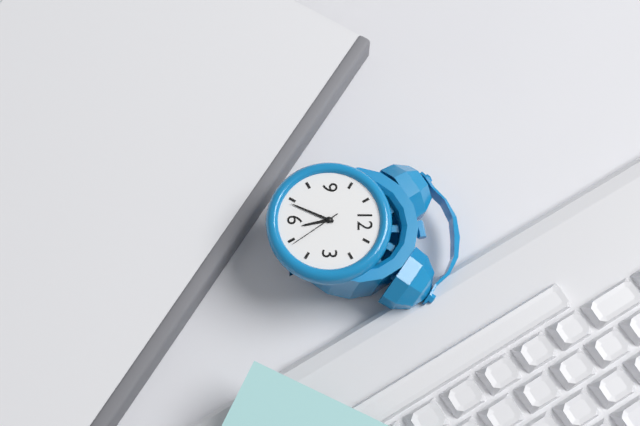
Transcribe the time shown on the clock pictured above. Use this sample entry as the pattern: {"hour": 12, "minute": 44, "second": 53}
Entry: {"hour": 5, "minute": 34, "second": 24}
